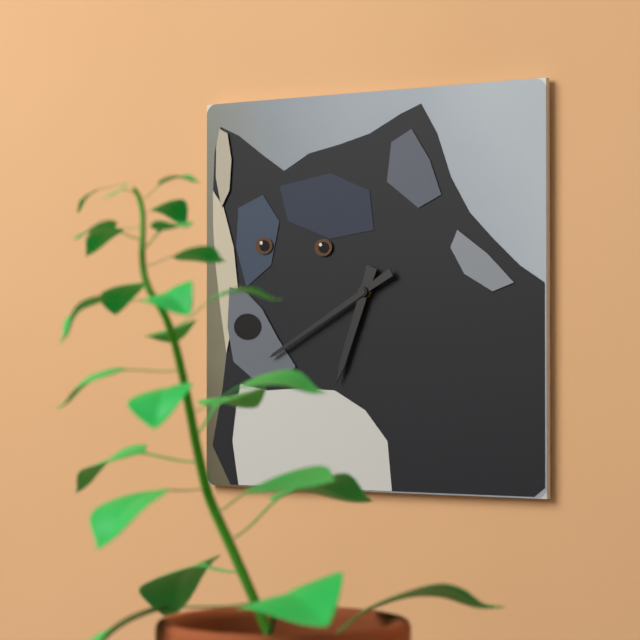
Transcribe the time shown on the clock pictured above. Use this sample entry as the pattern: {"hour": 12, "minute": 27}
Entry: {"hour": 6, "minute": 40}
